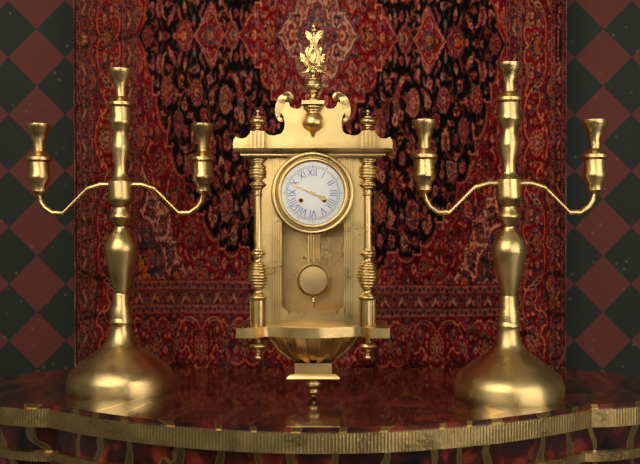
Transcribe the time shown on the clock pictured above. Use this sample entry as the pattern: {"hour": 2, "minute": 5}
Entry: {"hour": 3, "minute": 49}
